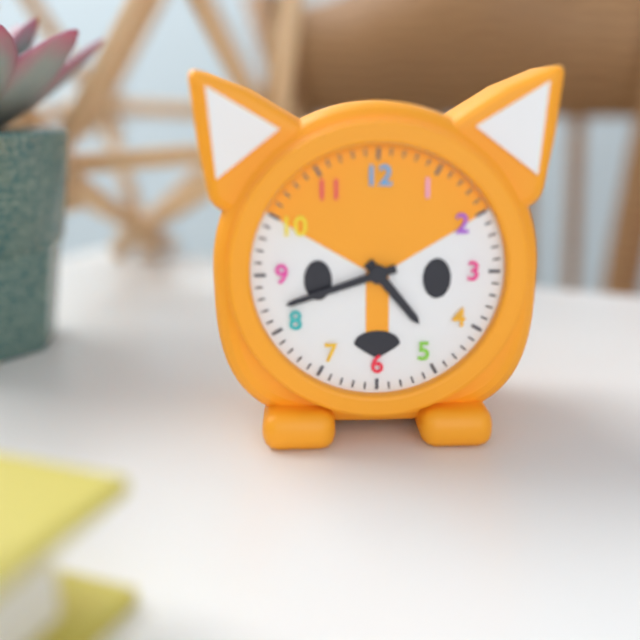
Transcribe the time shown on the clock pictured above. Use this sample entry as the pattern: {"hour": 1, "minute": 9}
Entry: {"hour": 4, "minute": 42}
